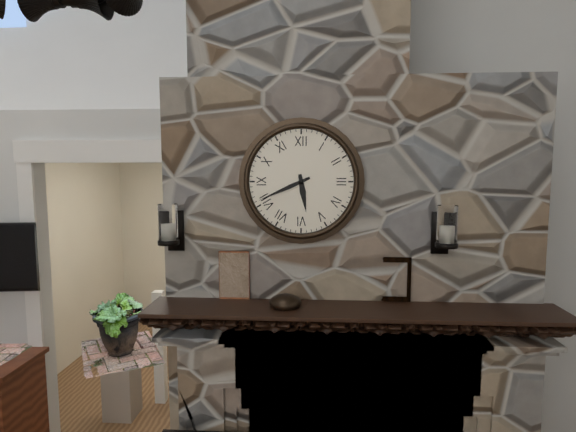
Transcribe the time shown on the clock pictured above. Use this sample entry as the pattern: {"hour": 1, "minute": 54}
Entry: {"hour": 5, "minute": 41}
